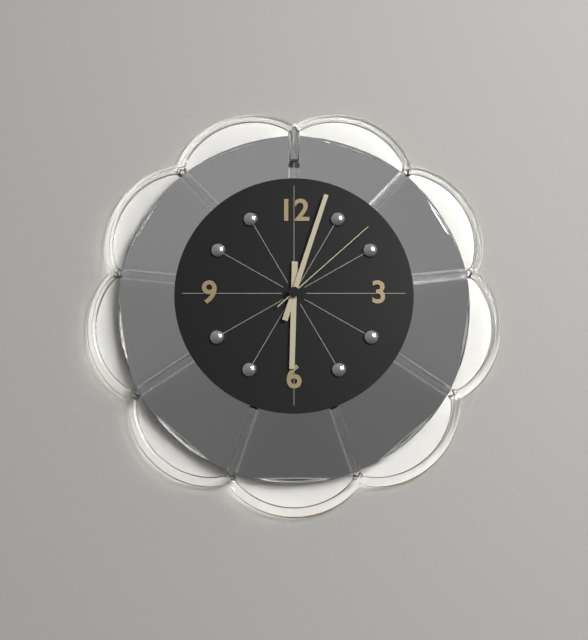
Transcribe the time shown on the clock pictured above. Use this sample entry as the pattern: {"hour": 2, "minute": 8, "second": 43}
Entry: {"hour": 6, "minute": 3, "second": 8}
